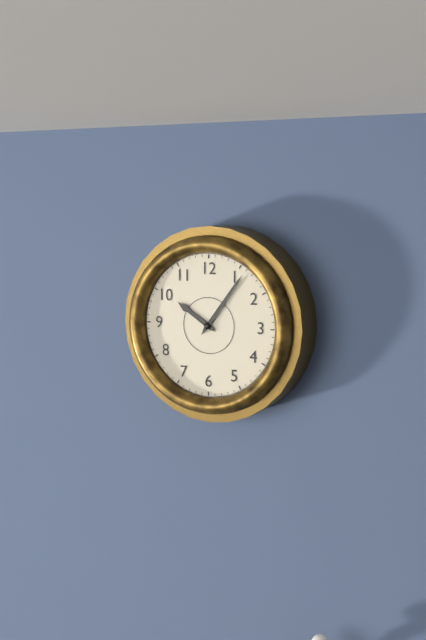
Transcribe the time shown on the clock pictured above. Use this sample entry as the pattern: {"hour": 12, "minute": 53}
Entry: {"hour": 10, "minute": 6}
